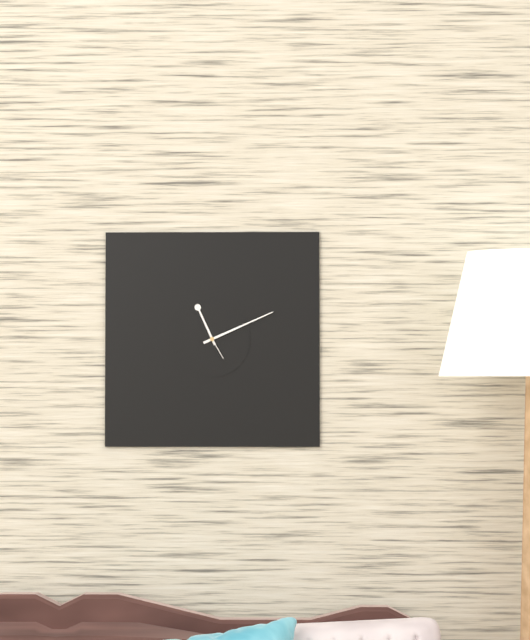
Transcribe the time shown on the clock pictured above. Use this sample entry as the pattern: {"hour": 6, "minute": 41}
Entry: {"hour": 11, "minute": 11}
